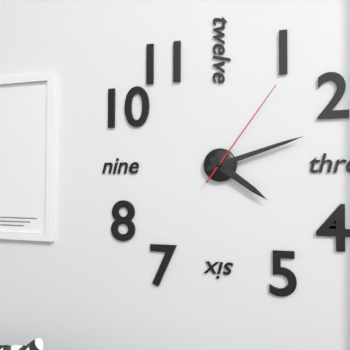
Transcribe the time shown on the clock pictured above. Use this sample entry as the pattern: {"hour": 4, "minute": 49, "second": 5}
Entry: {"hour": 4, "minute": 12, "second": 6}
